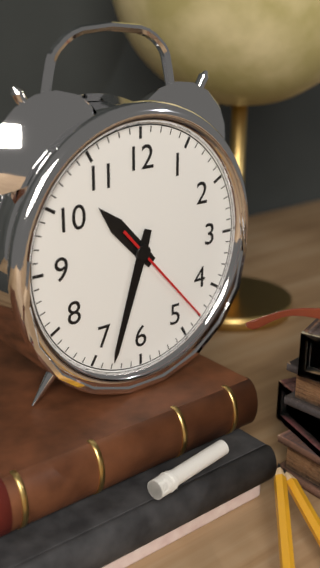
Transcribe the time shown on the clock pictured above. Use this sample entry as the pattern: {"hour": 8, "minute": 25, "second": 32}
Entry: {"hour": 10, "minute": 33, "second": 23}
